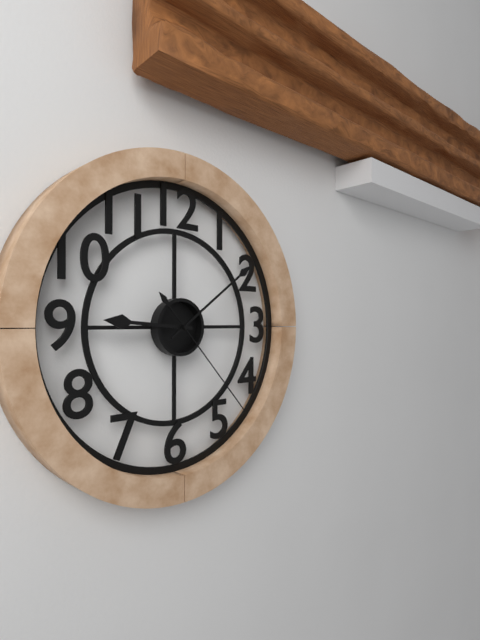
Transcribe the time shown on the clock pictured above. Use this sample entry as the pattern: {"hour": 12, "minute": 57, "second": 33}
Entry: {"hour": 9, "minute": 9, "second": 23}
